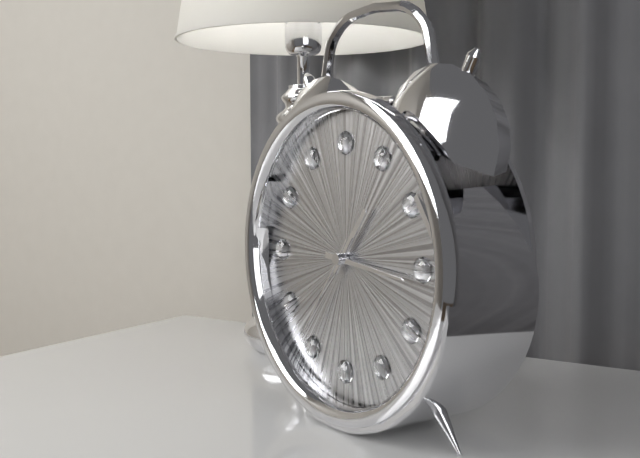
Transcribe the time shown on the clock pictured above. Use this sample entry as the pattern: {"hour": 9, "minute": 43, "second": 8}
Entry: {"hour": 1, "minute": 16, "second": 36}
